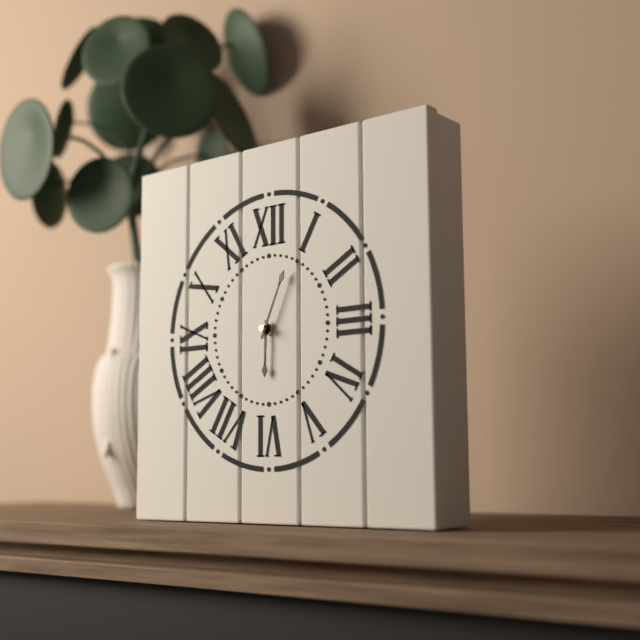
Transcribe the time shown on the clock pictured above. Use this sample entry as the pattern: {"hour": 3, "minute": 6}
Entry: {"hour": 6, "minute": 4}
